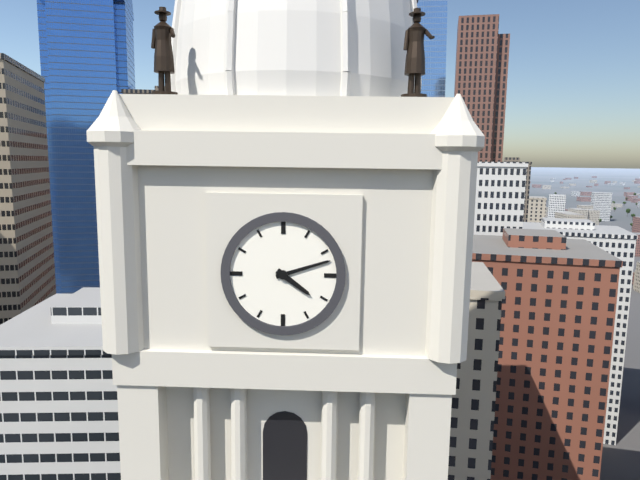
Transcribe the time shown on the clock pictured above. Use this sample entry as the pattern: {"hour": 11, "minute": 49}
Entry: {"hour": 4, "minute": 12}
